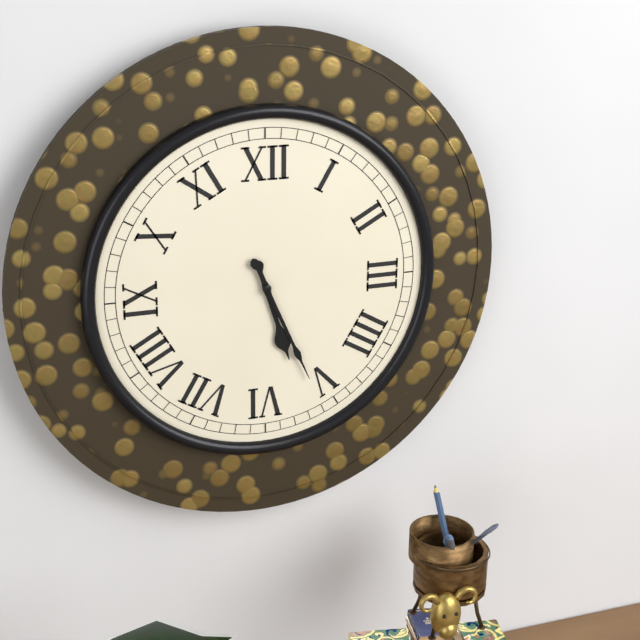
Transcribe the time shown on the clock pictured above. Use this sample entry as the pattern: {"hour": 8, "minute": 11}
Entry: {"hour": 5, "minute": 26}
